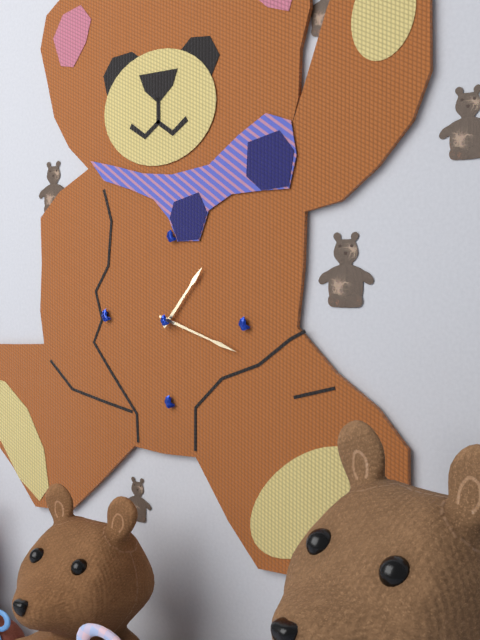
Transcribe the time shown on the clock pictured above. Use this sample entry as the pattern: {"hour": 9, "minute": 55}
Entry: {"hour": 1, "minute": 18}
